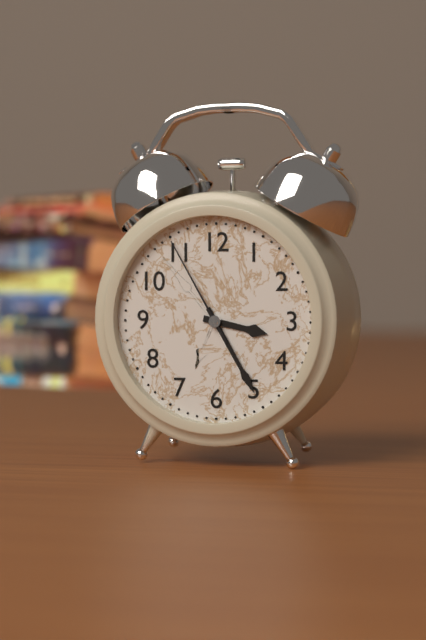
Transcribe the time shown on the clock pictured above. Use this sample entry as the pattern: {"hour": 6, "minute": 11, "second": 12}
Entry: {"hour": 3, "minute": 25, "second": 55}
